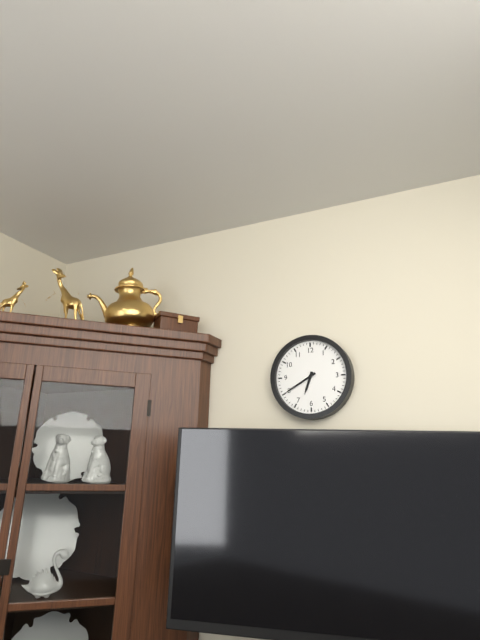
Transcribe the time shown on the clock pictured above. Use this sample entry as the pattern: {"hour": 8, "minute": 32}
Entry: {"hour": 6, "minute": 40}
